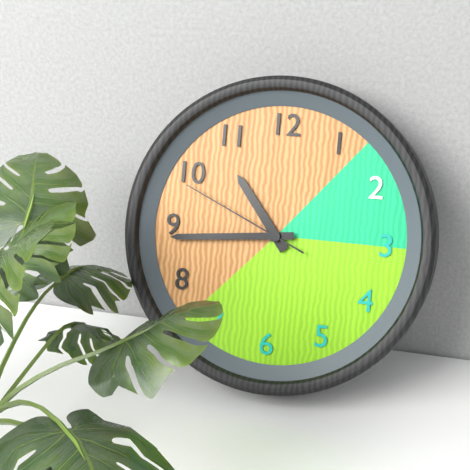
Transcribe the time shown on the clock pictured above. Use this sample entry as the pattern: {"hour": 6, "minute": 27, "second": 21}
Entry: {"hour": 10, "minute": 44, "second": 49}
